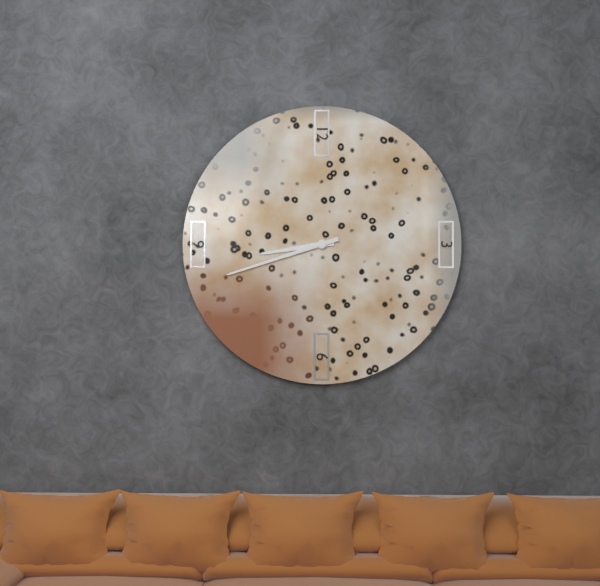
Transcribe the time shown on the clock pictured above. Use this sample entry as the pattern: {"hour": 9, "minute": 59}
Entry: {"hour": 8, "minute": 42}
